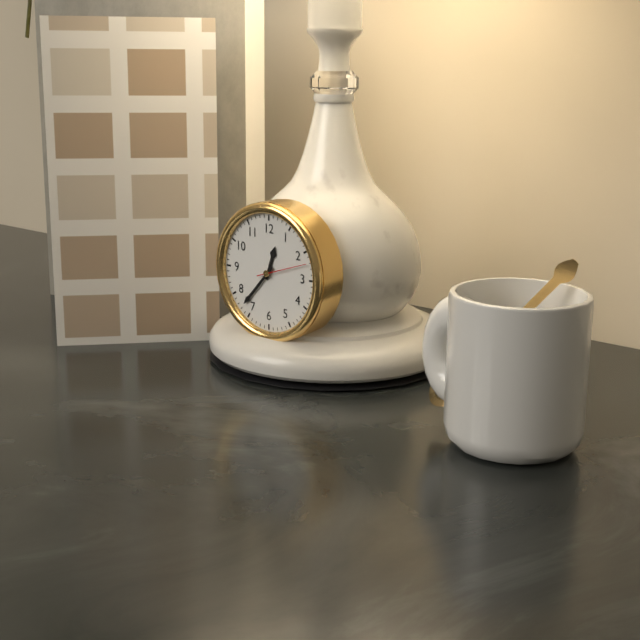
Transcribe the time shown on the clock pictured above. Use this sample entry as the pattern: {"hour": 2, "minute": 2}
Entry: {"hour": 12, "minute": 37}
